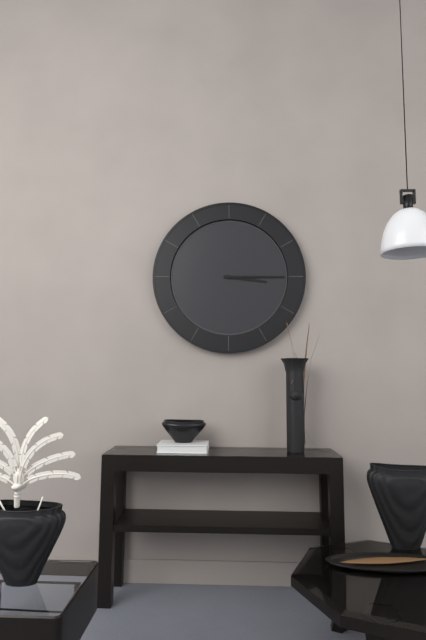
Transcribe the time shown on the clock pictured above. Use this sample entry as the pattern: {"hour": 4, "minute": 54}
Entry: {"hour": 3, "minute": 15}
